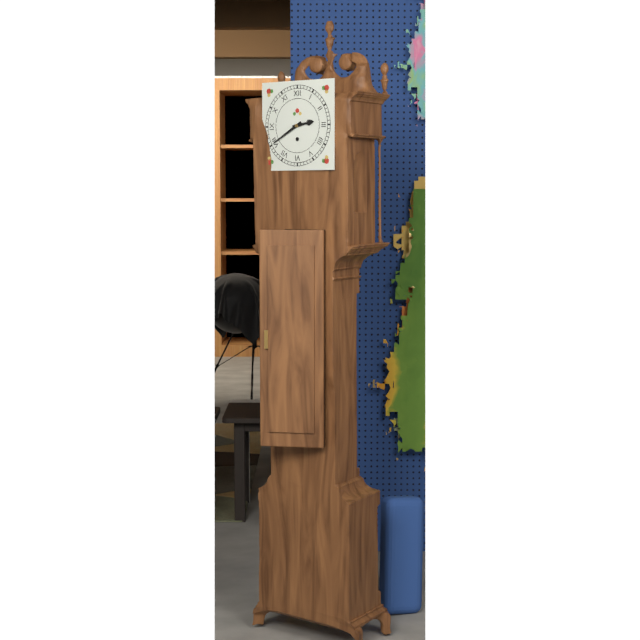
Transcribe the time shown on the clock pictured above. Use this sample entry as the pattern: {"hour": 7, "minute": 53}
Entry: {"hour": 2, "minute": 40}
